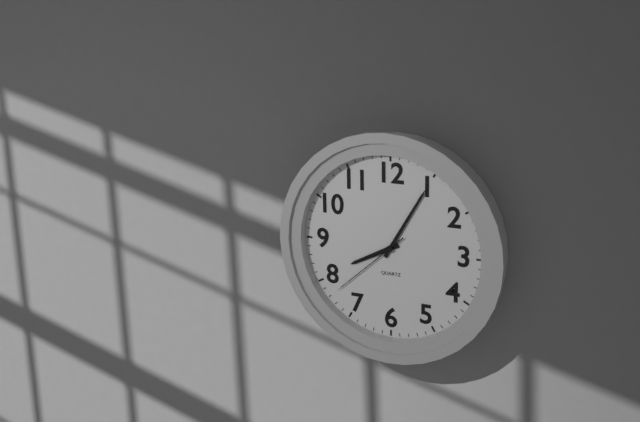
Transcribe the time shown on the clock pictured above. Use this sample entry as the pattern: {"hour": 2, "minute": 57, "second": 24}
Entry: {"hour": 8, "minute": 5, "second": 38}
